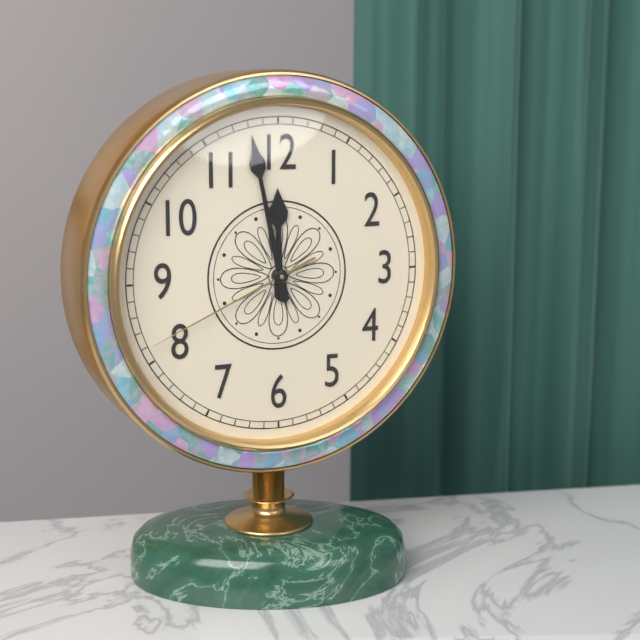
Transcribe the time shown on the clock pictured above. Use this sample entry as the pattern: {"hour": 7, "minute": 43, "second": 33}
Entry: {"hour": 11, "minute": 58, "second": 41}
